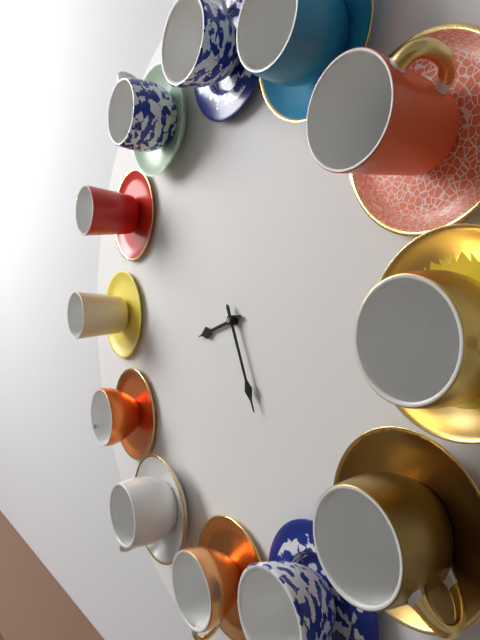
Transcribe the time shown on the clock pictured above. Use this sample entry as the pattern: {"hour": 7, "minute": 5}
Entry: {"hour": 8, "minute": 26}
